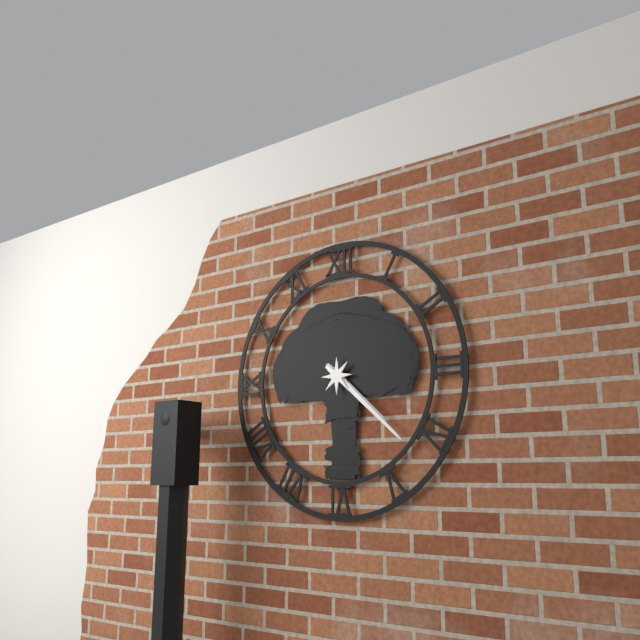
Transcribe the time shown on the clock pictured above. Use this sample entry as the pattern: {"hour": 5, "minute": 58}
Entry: {"hour": 4, "minute": 22}
